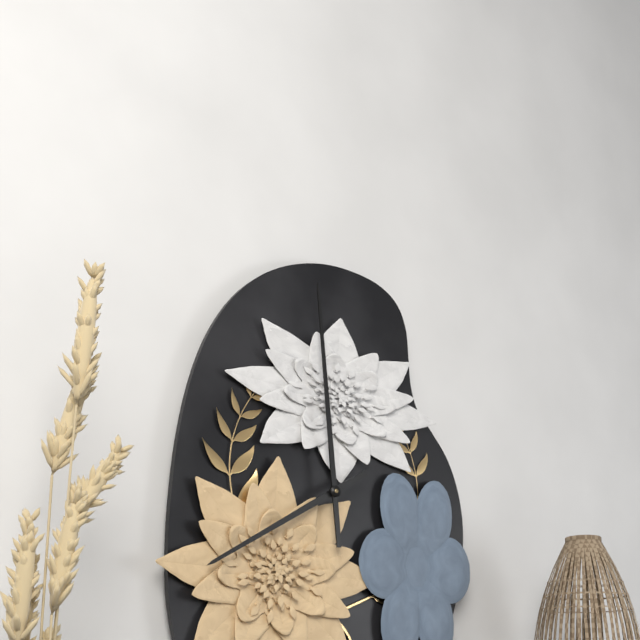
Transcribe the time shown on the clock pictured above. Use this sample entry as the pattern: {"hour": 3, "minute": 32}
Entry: {"hour": 7, "minute": 59}
